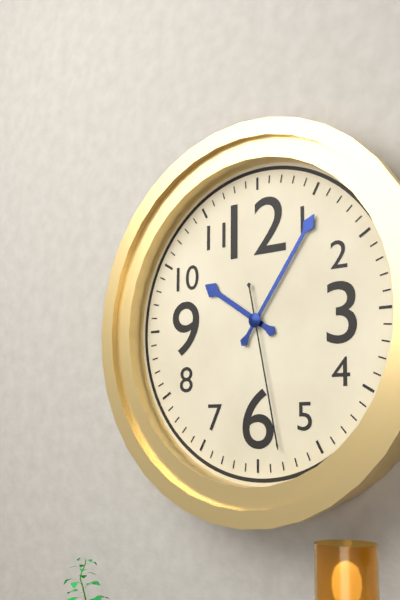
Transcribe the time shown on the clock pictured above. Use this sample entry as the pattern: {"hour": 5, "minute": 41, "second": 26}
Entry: {"hour": 10, "minute": 6, "second": 28}
